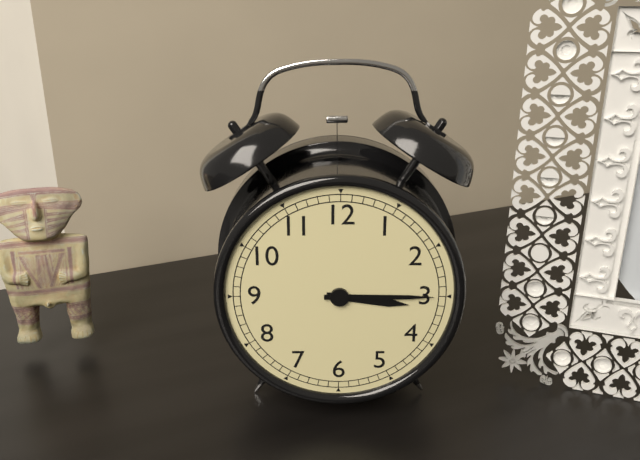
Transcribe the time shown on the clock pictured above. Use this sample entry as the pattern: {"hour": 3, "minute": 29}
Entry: {"hour": 3, "minute": 15}
